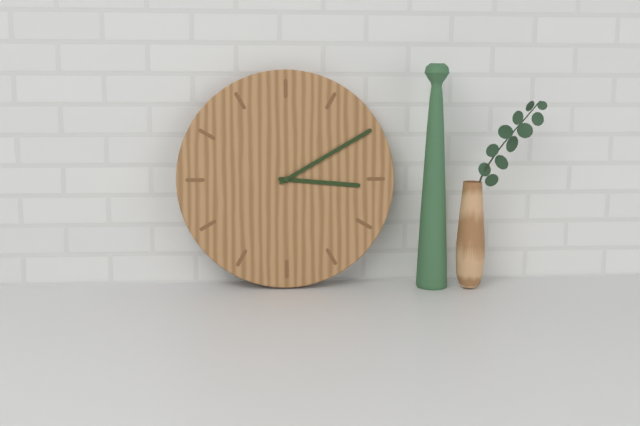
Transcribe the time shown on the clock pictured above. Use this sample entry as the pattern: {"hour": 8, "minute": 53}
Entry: {"hour": 3, "minute": 10}
